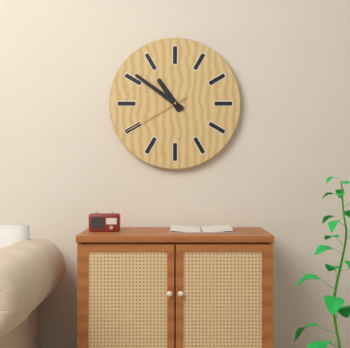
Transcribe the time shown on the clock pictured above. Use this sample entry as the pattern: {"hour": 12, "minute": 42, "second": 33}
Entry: {"hour": 10, "minute": 51, "second": 40}
